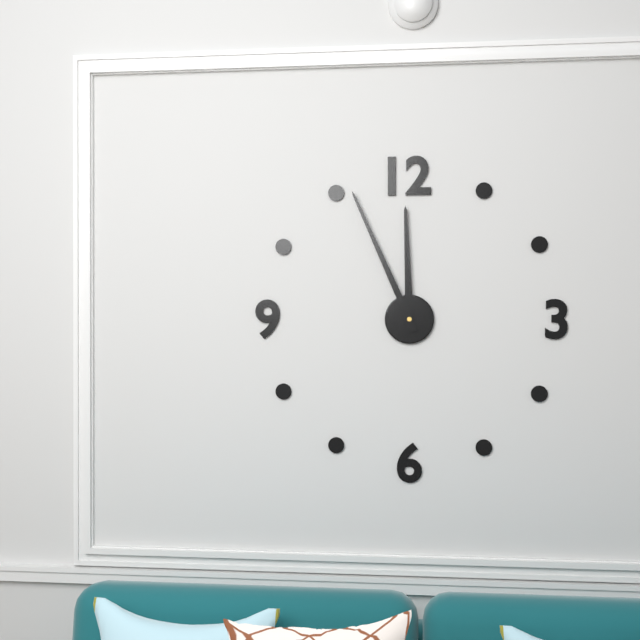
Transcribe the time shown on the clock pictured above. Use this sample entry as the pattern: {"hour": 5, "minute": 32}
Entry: {"hour": 11, "minute": 56}
